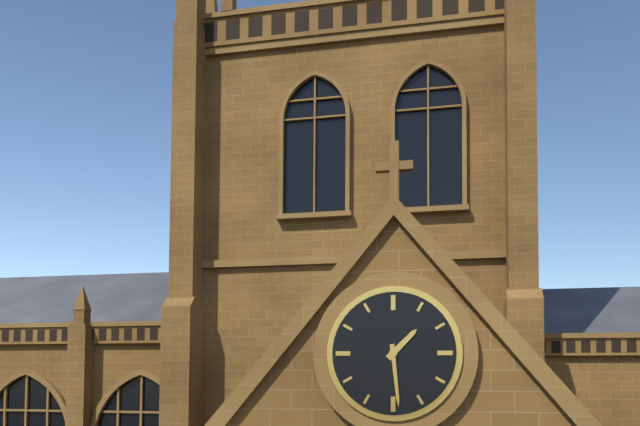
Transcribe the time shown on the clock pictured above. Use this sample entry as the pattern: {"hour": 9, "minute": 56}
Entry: {"hour": 1, "minute": 29}
